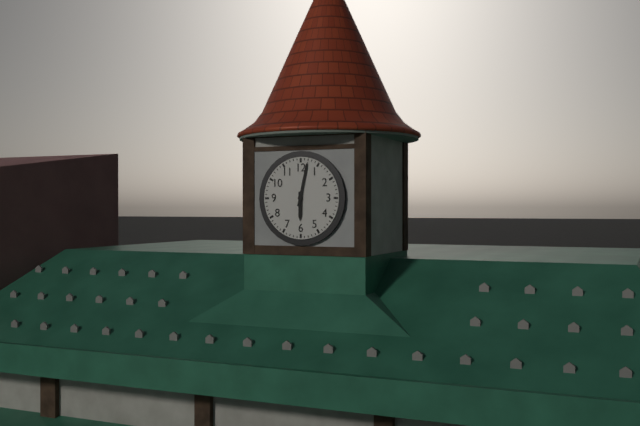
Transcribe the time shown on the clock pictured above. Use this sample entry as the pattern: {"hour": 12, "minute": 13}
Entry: {"hour": 6, "minute": 2}
